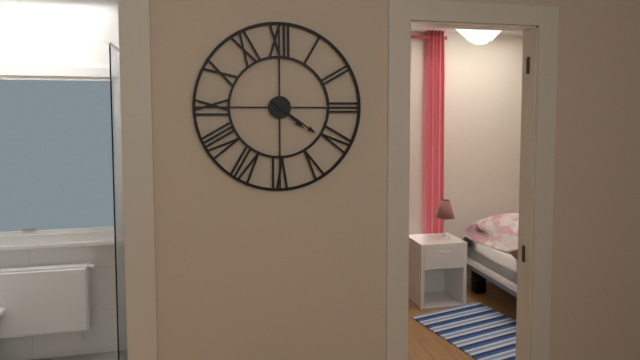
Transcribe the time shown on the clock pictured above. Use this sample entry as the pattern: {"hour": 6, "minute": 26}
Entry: {"hour": 4, "minute": 21}
